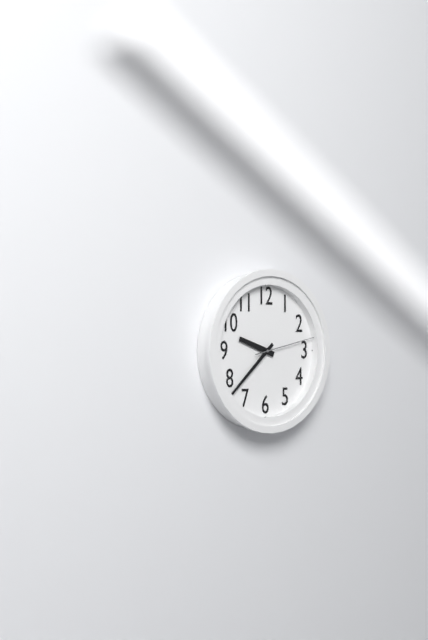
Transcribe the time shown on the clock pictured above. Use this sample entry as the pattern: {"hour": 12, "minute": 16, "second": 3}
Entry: {"hour": 9, "minute": 38, "second": 13}
